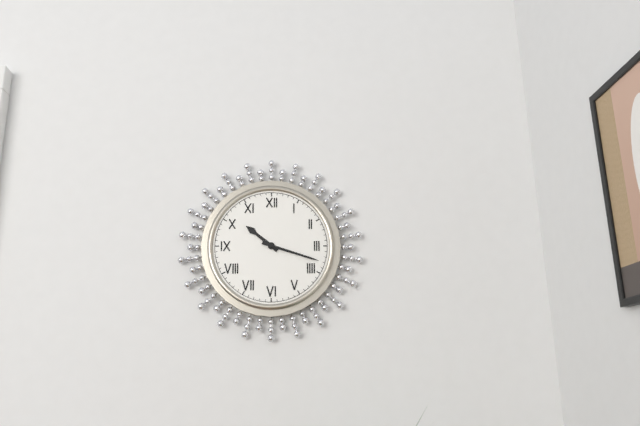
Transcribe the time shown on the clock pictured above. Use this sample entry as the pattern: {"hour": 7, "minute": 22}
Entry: {"hour": 10, "minute": 18}
